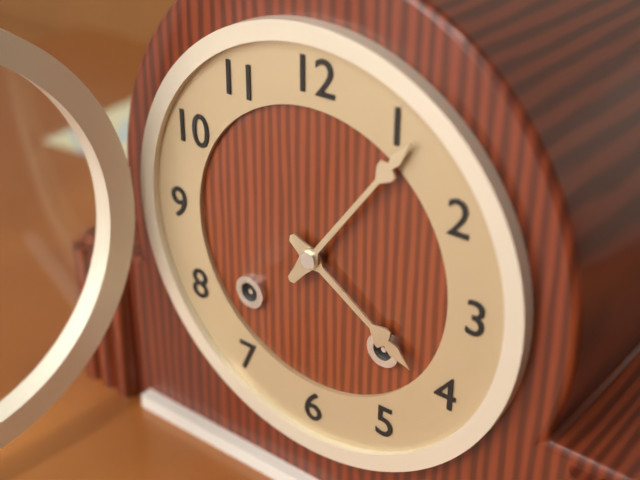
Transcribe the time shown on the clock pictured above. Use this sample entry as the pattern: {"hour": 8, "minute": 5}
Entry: {"hour": 4, "minute": 6}
